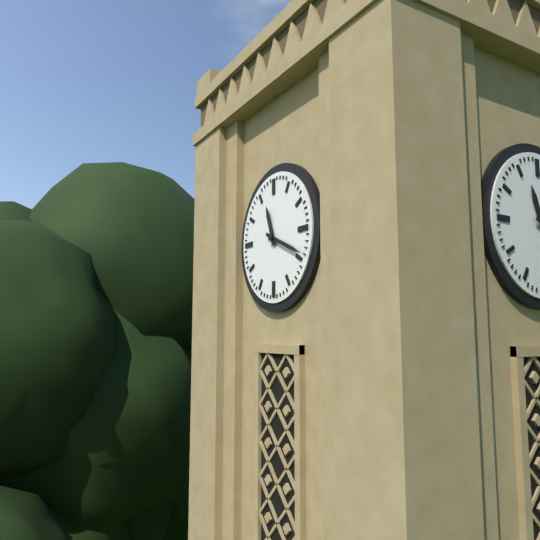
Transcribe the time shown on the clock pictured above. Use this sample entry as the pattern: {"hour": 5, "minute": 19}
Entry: {"hour": 11, "minute": 19}
